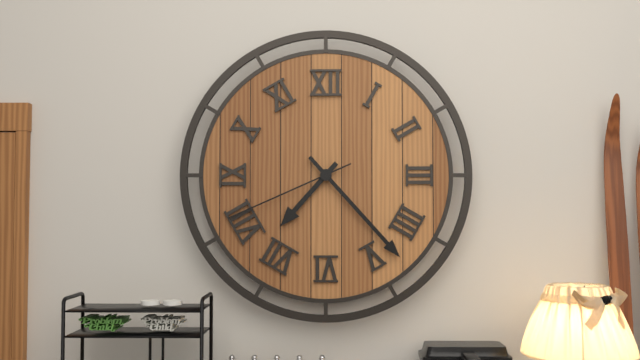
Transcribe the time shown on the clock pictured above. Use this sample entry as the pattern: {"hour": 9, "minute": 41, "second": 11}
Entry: {"hour": 7, "minute": 23, "second": 41}
